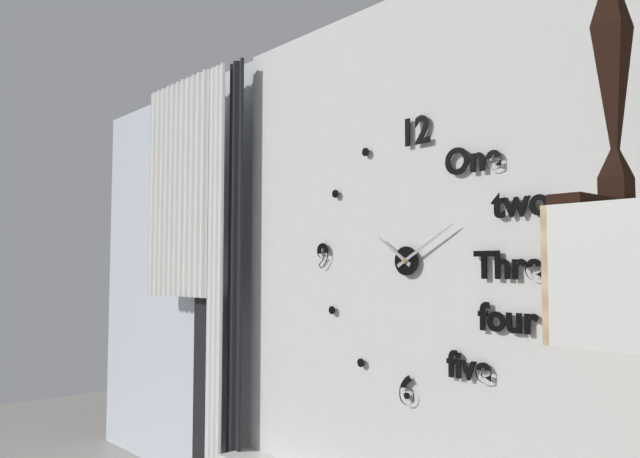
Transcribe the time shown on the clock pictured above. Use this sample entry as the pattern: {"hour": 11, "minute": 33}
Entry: {"hour": 10, "minute": 10}
